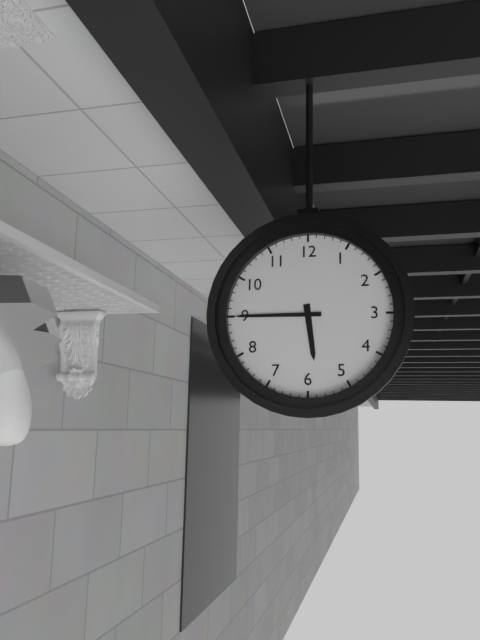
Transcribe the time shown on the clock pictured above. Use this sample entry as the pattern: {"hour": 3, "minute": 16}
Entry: {"hour": 5, "minute": 45}
